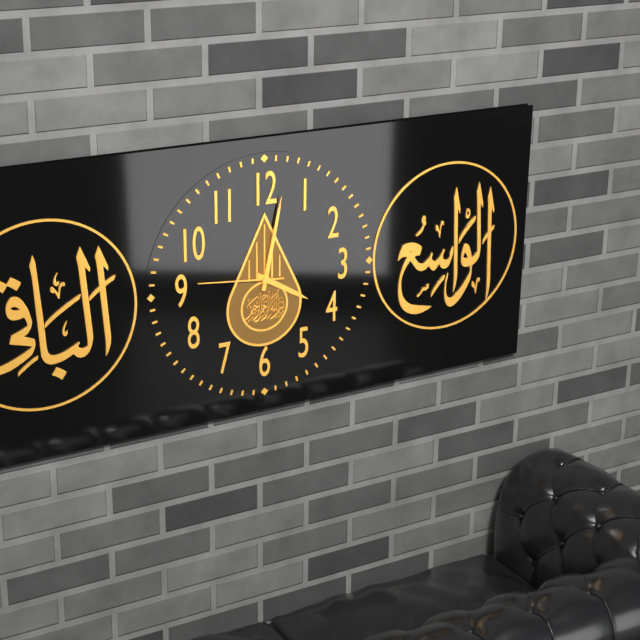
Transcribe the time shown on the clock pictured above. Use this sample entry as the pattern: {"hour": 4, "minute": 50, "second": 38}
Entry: {"hour": 4, "minute": 2, "second": 46}
